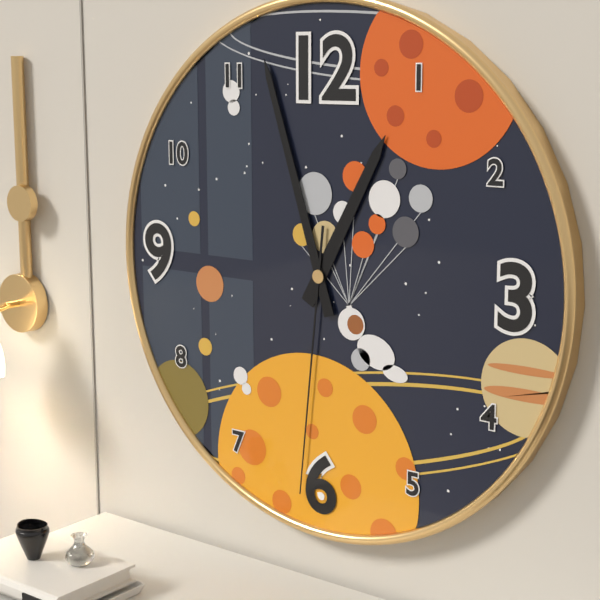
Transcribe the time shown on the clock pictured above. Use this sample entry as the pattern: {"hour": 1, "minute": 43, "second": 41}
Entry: {"hour": 12, "minute": 57, "second": 31}
